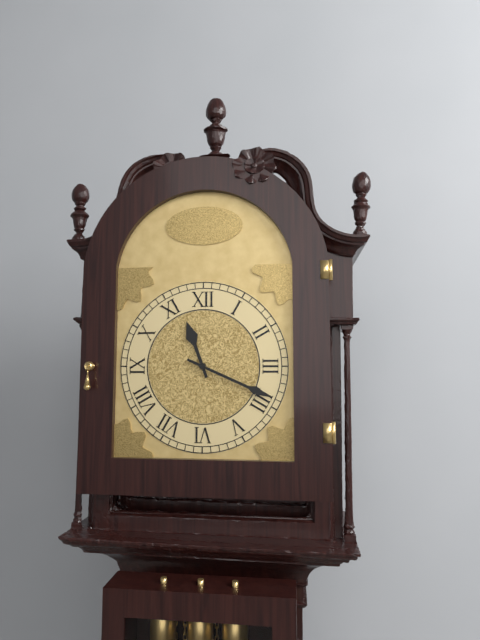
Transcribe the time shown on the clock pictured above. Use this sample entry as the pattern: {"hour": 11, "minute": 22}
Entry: {"hour": 11, "minute": 19}
